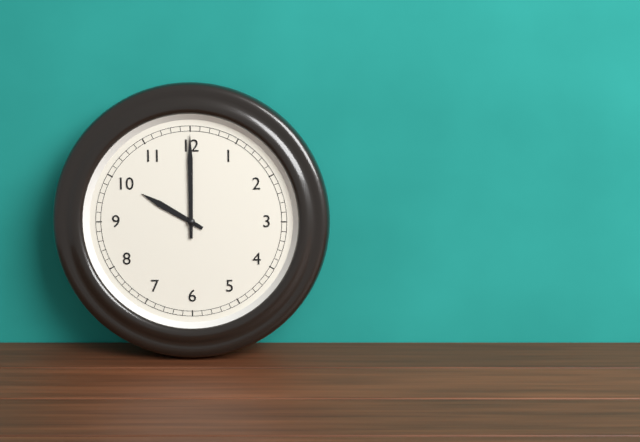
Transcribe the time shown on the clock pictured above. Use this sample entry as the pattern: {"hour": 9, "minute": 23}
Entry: {"hour": 10, "minute": 0}
